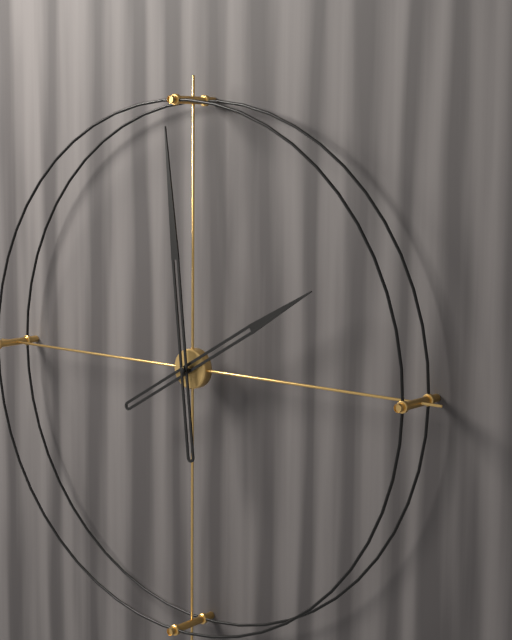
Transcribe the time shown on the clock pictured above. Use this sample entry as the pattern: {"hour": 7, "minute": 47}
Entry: {"hour": 1, "minute": 59}
